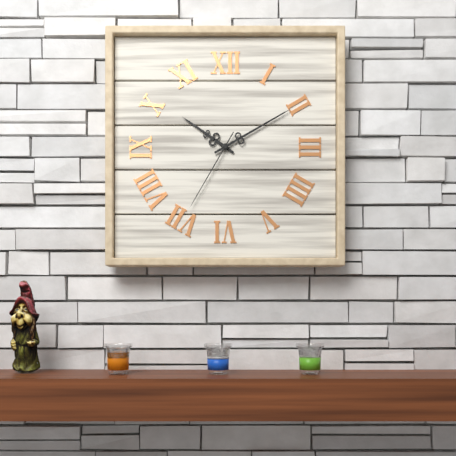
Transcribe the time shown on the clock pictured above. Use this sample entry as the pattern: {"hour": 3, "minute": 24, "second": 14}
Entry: {"hour": 10, "minute": 10, "second": 35}
